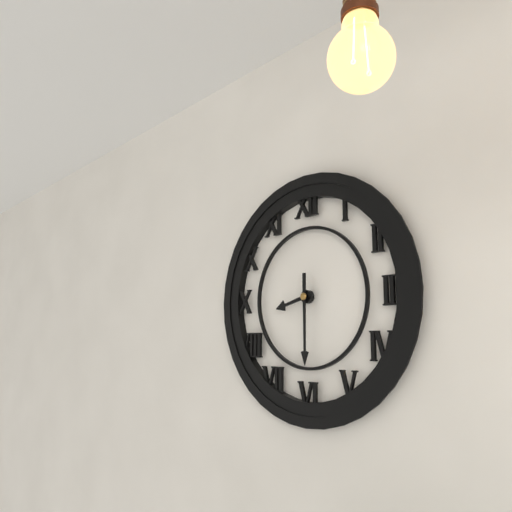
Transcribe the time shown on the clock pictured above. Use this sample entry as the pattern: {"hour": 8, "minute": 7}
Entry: {"hour": 8, "minute": 30}
